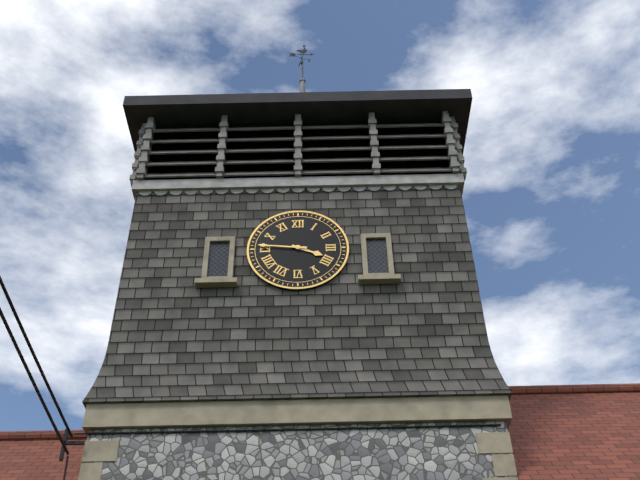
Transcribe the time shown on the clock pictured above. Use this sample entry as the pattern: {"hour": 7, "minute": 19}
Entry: {"hour": 3, "minute": 46}
